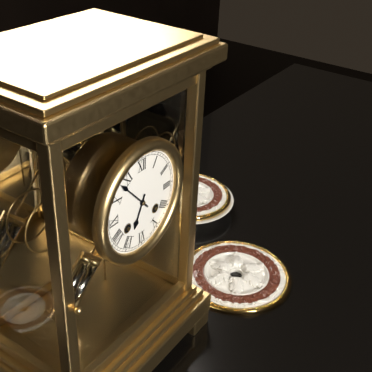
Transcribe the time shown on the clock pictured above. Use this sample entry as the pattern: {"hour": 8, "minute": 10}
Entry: {"hour": 6, "minute": 53}
